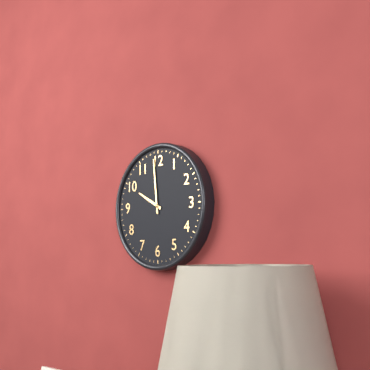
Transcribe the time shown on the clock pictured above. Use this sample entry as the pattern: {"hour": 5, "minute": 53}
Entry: {"hour": 9, "minute": 59}
